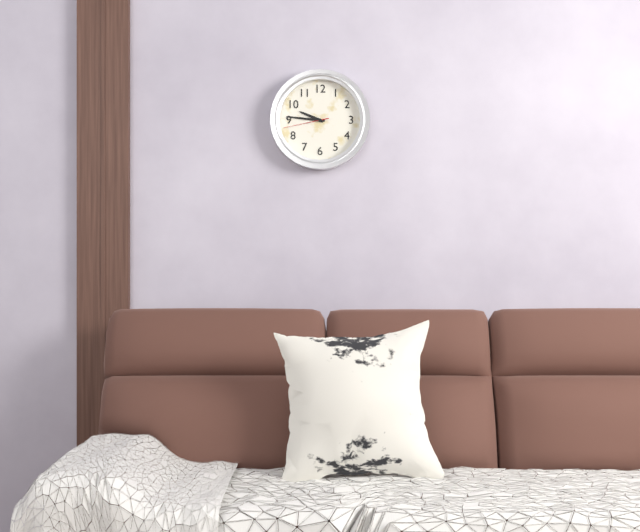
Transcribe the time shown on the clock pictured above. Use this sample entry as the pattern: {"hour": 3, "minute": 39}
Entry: {"hour": 9, "minute": 46}
